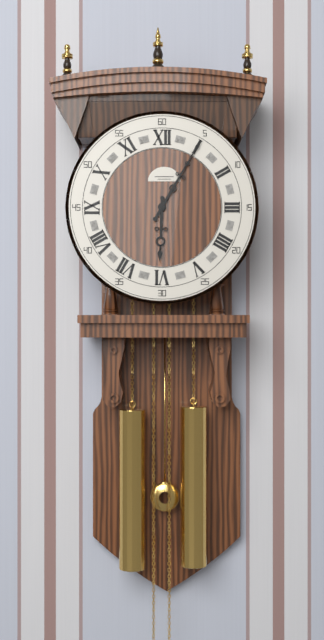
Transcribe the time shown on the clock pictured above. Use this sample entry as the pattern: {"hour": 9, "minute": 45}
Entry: {"hour": 6, "minute": 5}
